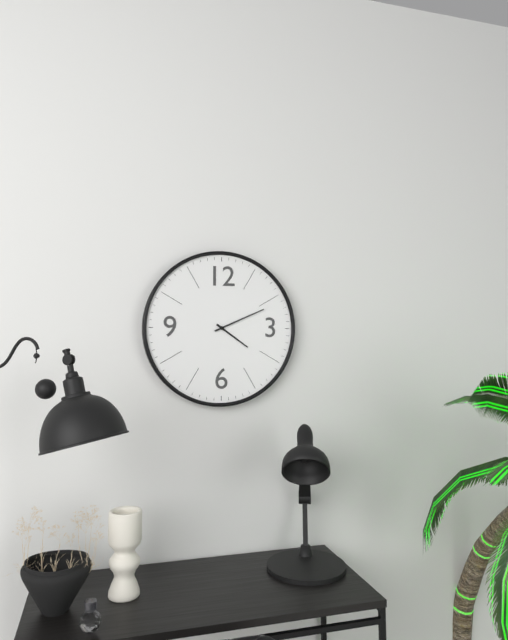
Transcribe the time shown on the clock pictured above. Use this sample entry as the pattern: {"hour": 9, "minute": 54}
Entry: {"hour": 4, "minute": 11}
